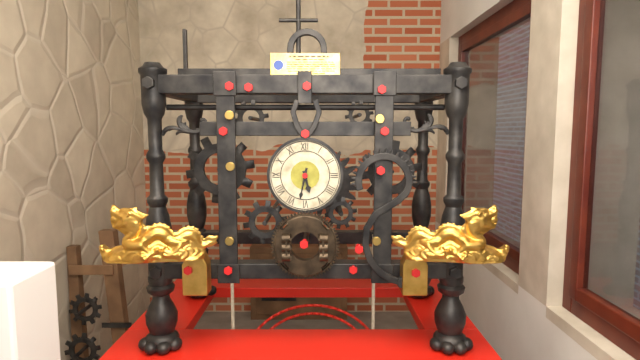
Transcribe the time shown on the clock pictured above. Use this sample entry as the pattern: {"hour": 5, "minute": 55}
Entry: {"hour": 5, "minute": 32}
